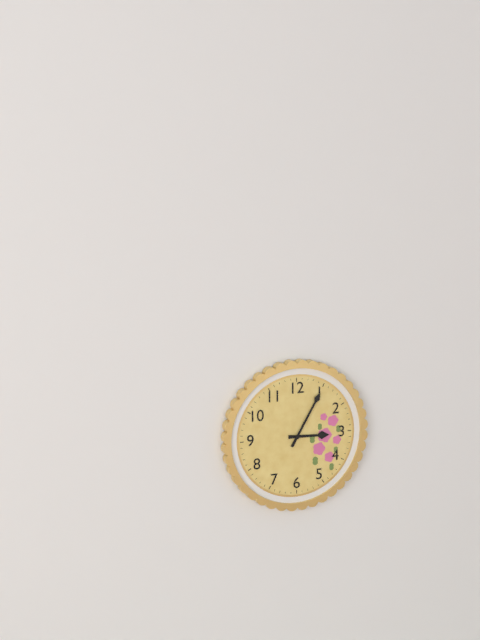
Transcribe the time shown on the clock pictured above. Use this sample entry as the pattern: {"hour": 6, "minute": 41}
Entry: {"hour": 3, "minute": 5}
